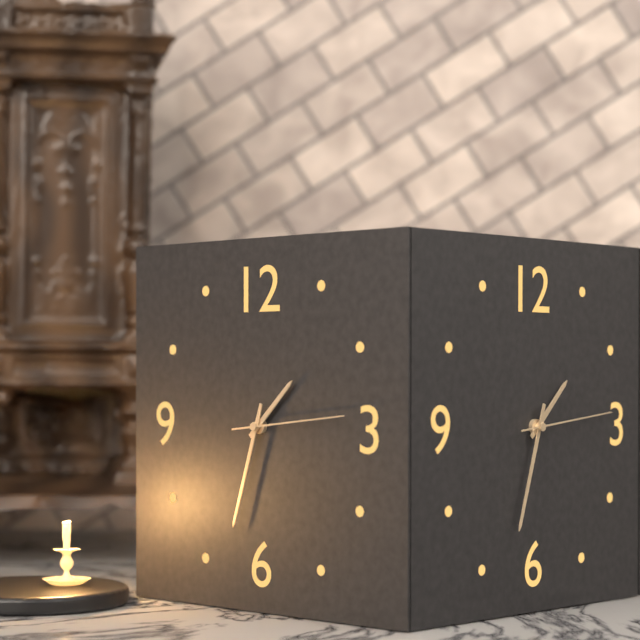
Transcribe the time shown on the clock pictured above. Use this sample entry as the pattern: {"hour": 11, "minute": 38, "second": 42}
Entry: {"hour": 1, "minute": 33, "second": 14}
